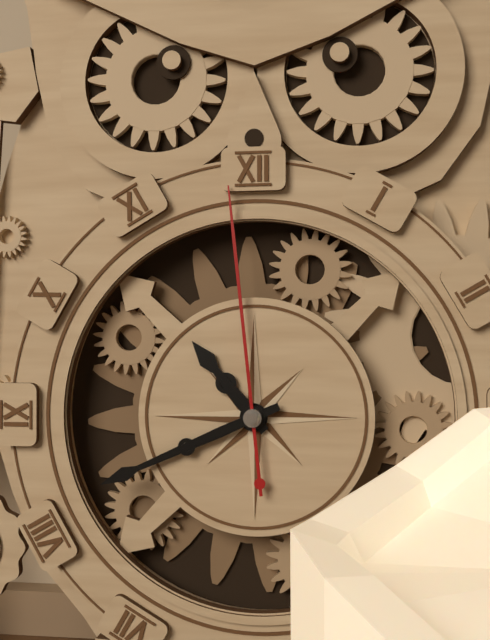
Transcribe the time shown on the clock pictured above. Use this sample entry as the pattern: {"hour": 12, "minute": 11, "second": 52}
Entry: {"hour": 10, "minute": 41, "second": 59}
